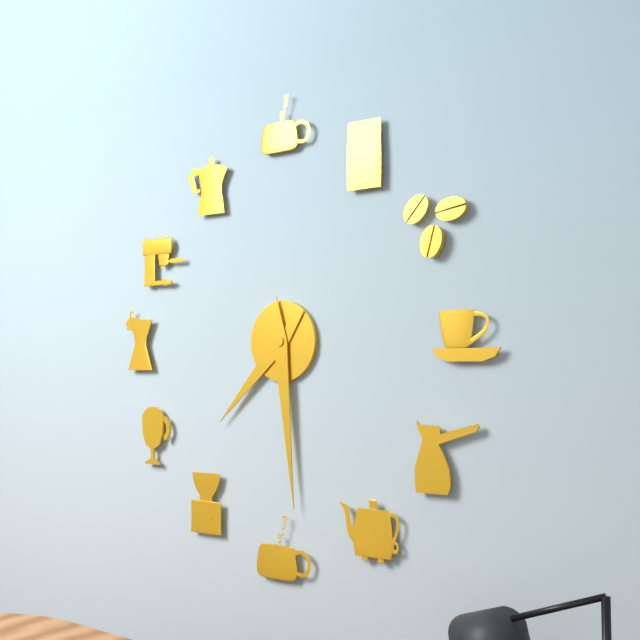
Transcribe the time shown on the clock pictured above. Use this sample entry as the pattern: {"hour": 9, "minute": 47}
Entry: {"hour": 7, "minute": 29}
